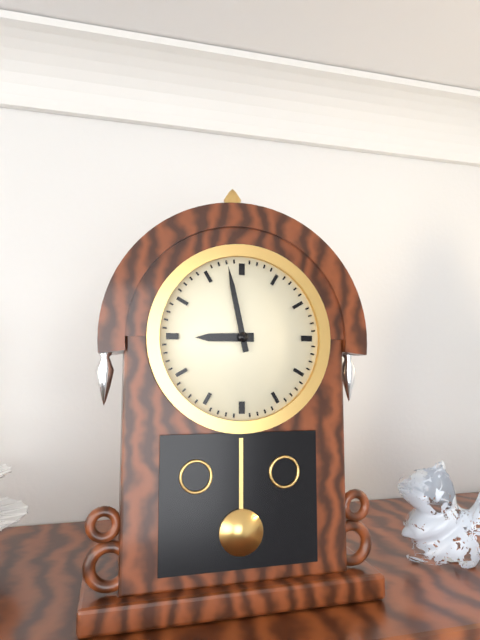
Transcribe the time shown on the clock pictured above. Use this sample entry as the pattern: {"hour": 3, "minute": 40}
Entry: {"hour": 8, "minute": 58}
